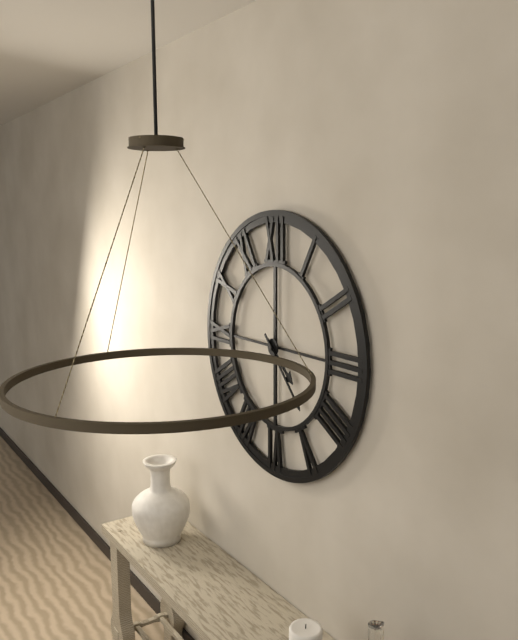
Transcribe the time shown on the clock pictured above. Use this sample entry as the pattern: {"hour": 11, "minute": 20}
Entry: {"hour": 4, "minute": 23}
